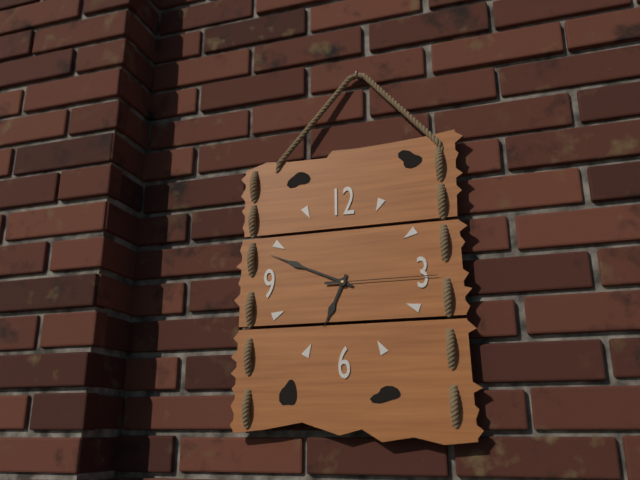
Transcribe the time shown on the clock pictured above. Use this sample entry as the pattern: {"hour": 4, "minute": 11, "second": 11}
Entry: {"hour": 6, "minute": 49, "second": 15}
